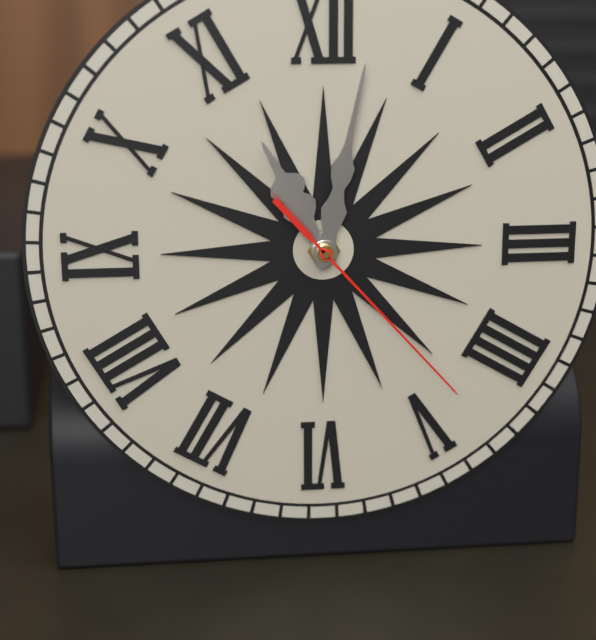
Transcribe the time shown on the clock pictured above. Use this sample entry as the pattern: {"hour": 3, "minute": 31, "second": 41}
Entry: {"hour": 11, "minute": 2, "second": 23}
